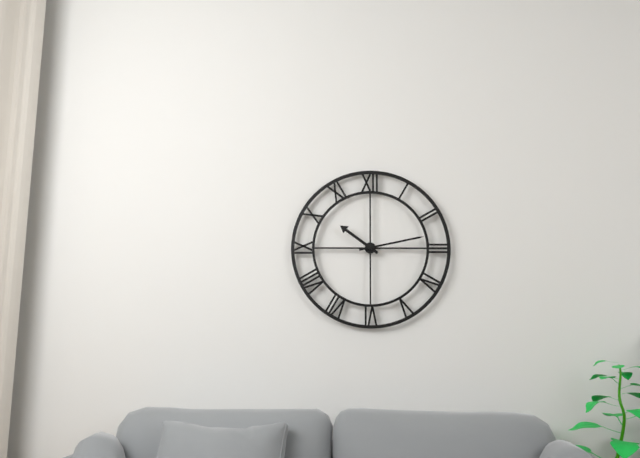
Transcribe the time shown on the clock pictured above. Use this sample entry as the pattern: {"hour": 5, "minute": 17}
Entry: {"hour": 10, "minute": 13}
